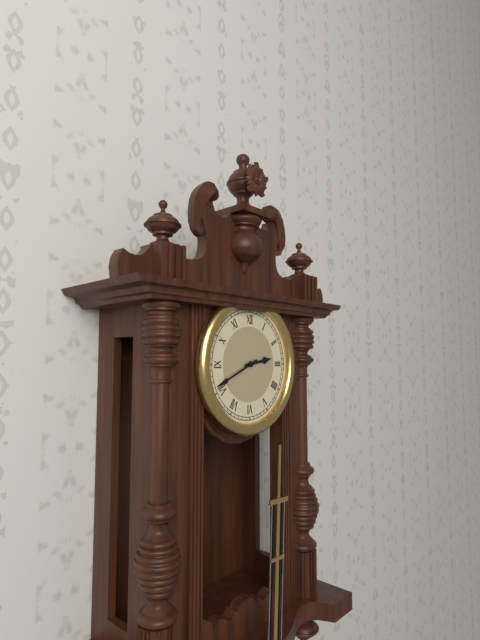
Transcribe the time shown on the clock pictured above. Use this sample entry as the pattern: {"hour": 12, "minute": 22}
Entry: {"hour": 2, "minute": 41}
